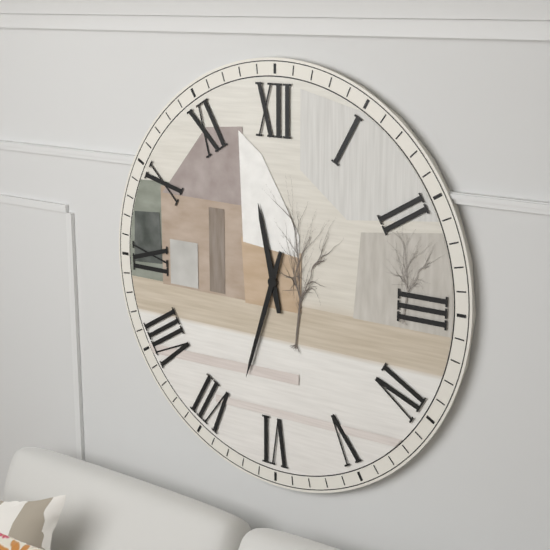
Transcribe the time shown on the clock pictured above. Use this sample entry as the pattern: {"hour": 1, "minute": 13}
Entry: {"hour": 11, "minute": 33}
